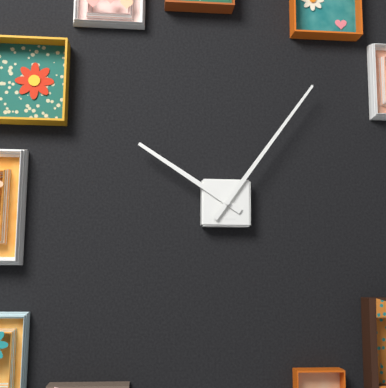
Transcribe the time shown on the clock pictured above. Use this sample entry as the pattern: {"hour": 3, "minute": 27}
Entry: {"hour": 10, "minute": 6}
